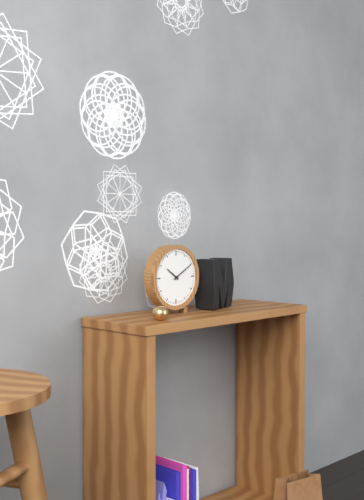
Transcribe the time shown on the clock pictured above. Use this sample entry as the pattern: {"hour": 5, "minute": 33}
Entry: {"hour": 10, "minute": 10}
